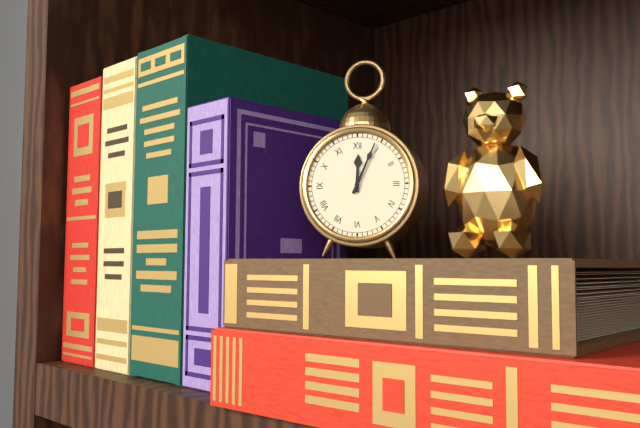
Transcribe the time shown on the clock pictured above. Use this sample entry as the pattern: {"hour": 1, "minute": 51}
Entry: {"hour": 12, "minute": 4}
